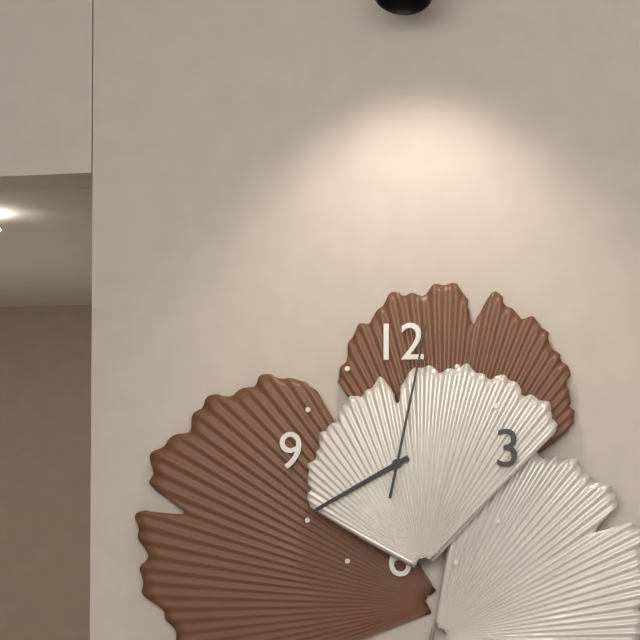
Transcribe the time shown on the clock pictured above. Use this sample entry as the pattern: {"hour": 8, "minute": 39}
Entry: {"hour": 8, "minute": 2}
